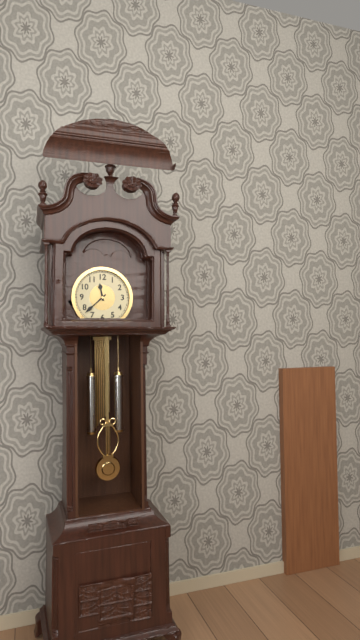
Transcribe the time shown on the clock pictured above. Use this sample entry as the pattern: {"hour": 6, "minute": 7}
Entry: {"hour": 11, "minute": 38}
